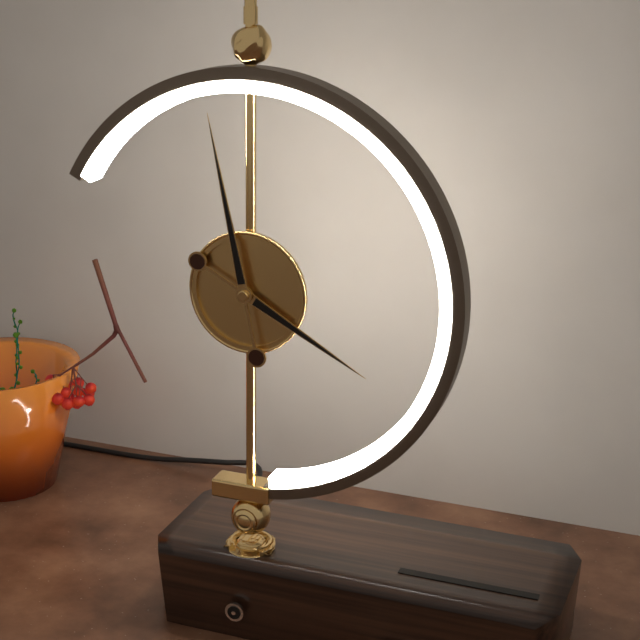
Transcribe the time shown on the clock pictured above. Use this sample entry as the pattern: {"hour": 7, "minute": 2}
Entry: {"hour": 3, "minute": 58}
